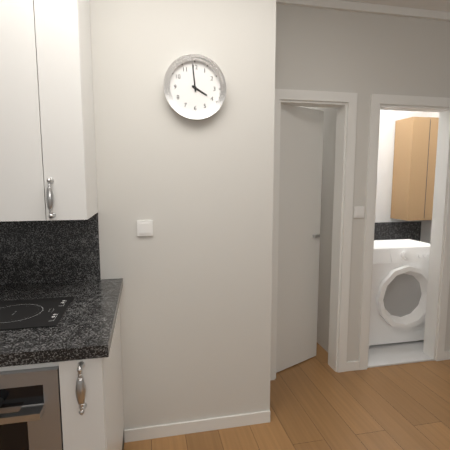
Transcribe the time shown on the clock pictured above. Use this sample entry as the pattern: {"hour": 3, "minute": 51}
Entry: {"hour": 3, "minute": 59}
